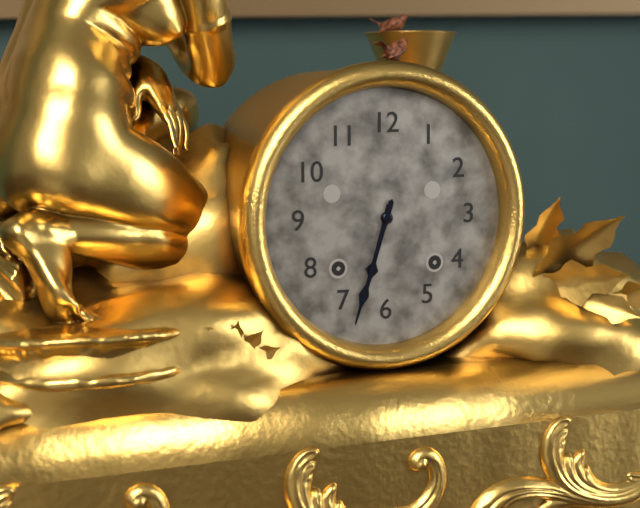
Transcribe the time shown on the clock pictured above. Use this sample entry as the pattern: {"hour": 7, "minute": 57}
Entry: {"hour": 6, "minute": 33}
